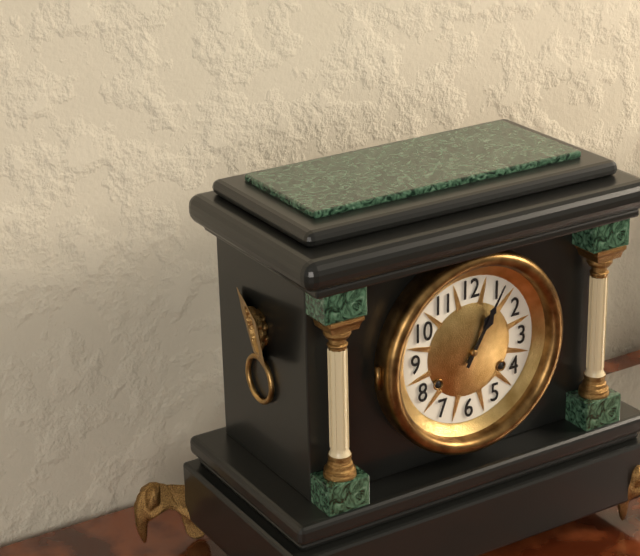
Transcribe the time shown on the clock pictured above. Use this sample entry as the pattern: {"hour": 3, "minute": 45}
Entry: {"hour": 1, "minute": 5}
